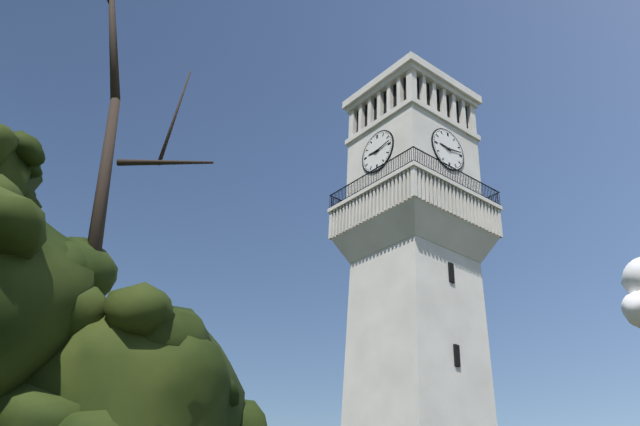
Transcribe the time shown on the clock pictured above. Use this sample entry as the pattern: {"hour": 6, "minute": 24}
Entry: {"hour": 9, "minute": 13}
